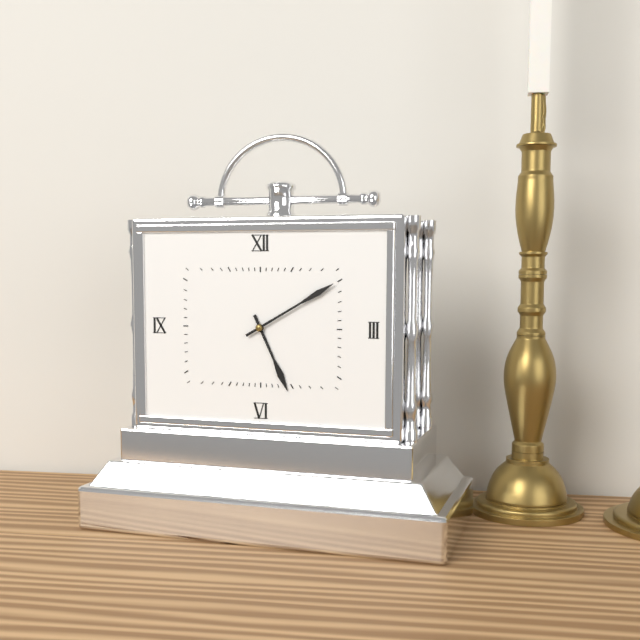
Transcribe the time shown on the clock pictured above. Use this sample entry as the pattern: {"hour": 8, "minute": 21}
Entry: {"hour": 5, "minute": 10}
